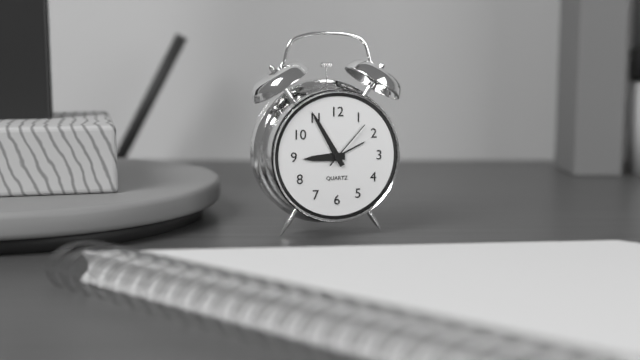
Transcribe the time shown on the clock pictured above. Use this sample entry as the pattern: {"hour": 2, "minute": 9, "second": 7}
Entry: {"hour": 8, "minute": 55, "second": 7}
